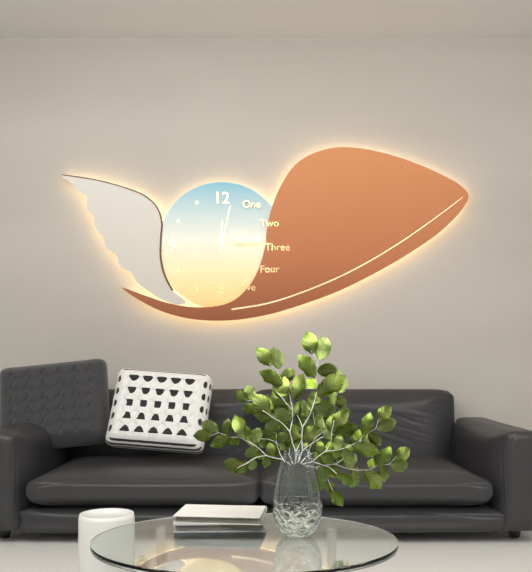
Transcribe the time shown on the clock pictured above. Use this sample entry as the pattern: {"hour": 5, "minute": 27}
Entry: {"hour": 12, "minute": 2}
